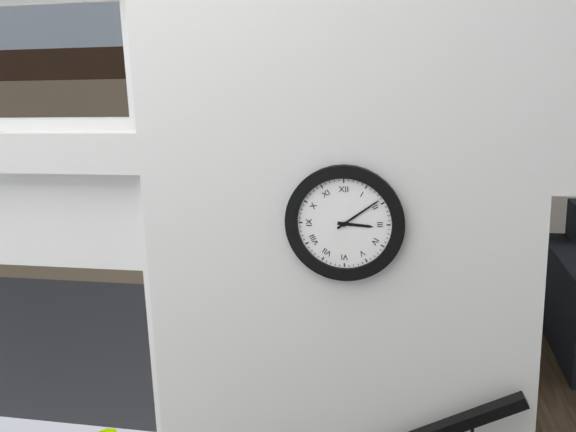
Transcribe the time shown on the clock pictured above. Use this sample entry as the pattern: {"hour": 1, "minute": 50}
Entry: {"hour": 3, "minute": 9}
